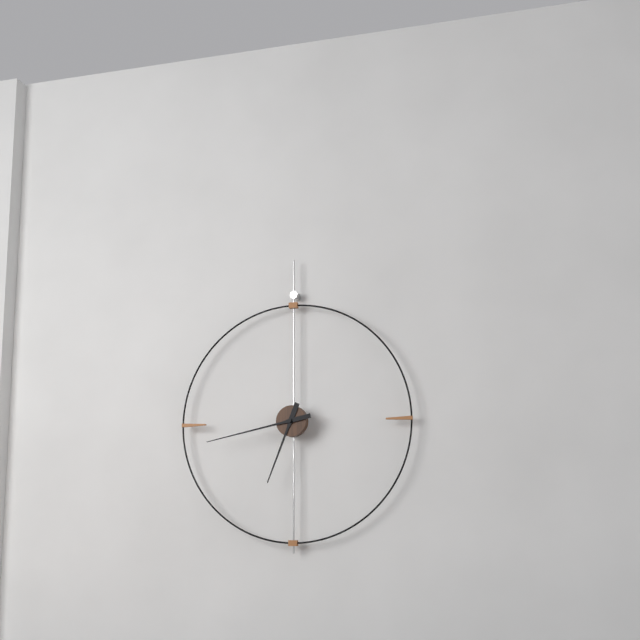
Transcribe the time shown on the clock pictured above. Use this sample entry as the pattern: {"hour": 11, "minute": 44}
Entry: {"hour": 6, "minute": 43}
